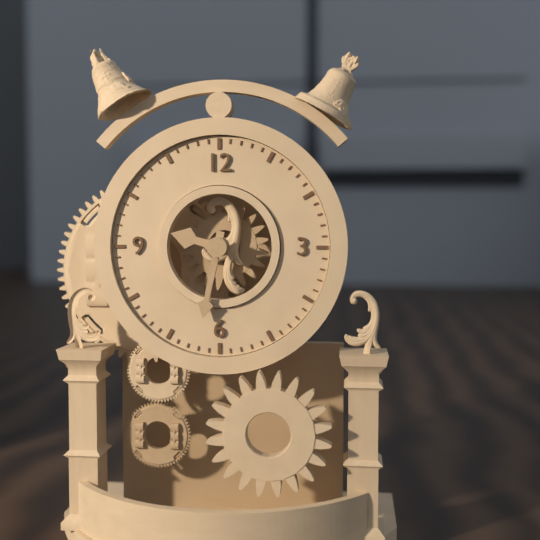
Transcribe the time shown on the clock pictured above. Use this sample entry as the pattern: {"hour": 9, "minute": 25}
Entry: {"hour": 9, "minute": 32}
